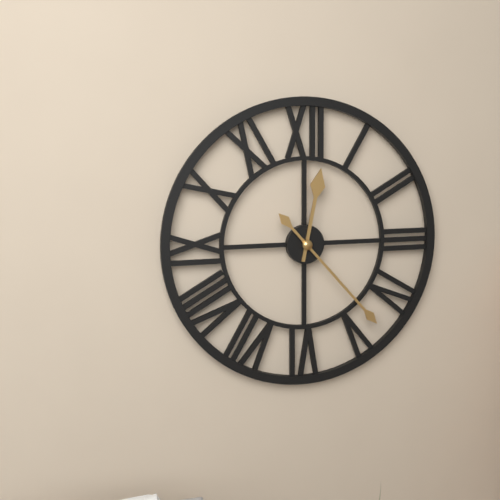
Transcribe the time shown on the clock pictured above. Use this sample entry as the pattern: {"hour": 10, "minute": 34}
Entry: {"hour": 12, "minute": 23}
